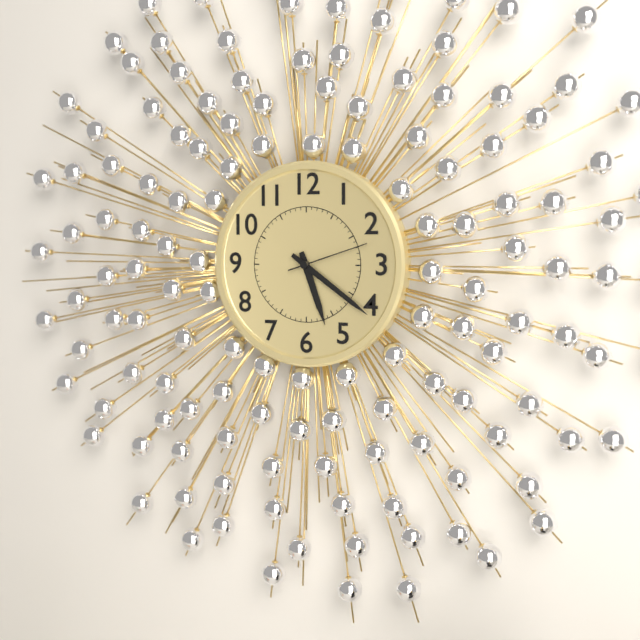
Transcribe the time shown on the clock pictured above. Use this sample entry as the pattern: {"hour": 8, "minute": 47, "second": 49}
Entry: {"hour": 5, "minute": 21, "second": 12}
